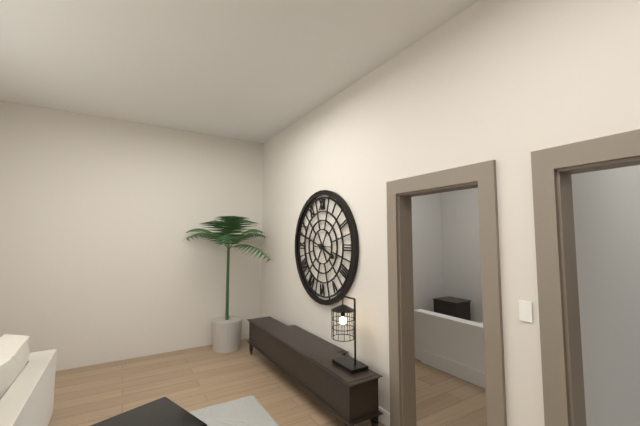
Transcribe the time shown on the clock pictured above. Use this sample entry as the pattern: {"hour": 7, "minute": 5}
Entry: {"hour": 3, "minute": 48}
